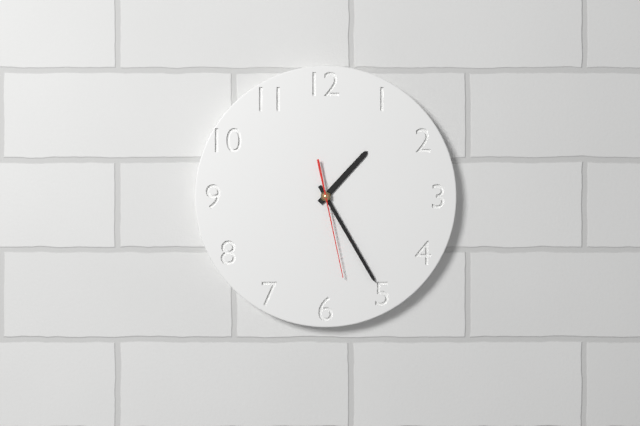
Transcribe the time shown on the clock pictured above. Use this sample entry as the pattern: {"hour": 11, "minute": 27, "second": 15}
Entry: {"hour": 1, "minute": 25, "second": 28}
